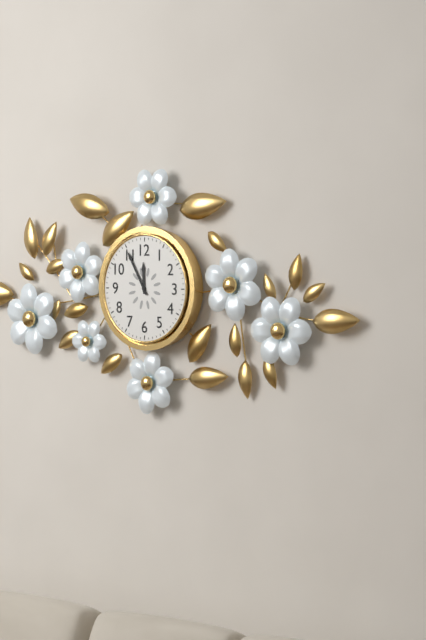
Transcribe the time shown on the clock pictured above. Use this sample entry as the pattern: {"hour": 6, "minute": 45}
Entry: {"hour": 11, "minute": 55}
